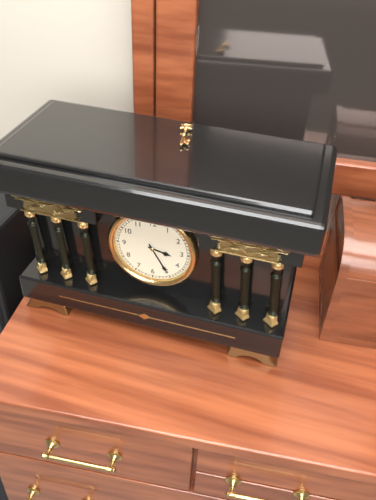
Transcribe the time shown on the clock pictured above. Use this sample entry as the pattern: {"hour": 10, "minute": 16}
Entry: {"hour": 3, "minute": 25}
